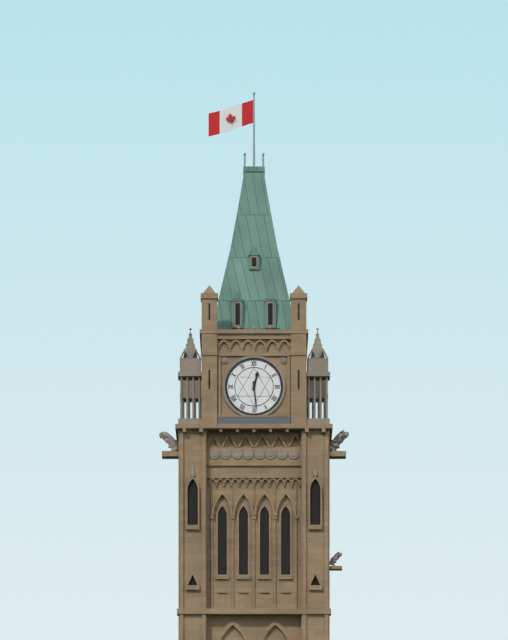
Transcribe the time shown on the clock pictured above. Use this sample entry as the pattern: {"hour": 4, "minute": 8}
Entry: {"hour": 12, "minute": 29}
